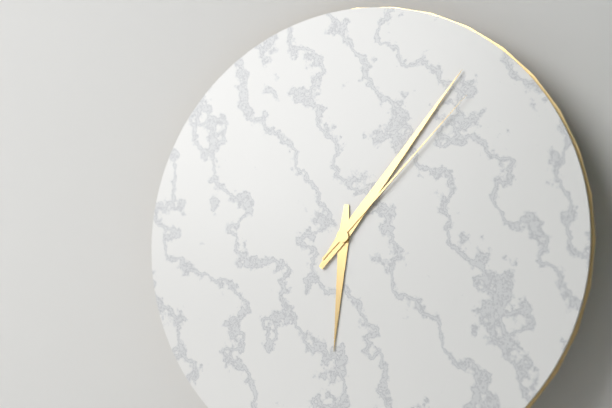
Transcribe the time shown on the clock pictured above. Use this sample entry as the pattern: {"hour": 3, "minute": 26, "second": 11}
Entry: {"hour": 6, "minute": 6, "second": 7}
